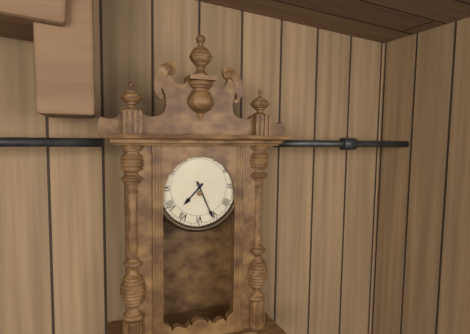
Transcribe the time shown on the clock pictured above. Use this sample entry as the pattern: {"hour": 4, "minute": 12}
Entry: {"hour": 7, "minute": 26}
